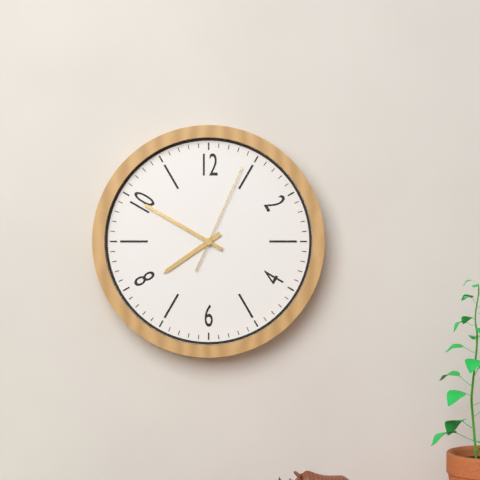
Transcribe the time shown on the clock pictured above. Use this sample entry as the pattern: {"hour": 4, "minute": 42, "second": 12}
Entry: {"hour": 7, "minute": 50, "second": 4}
